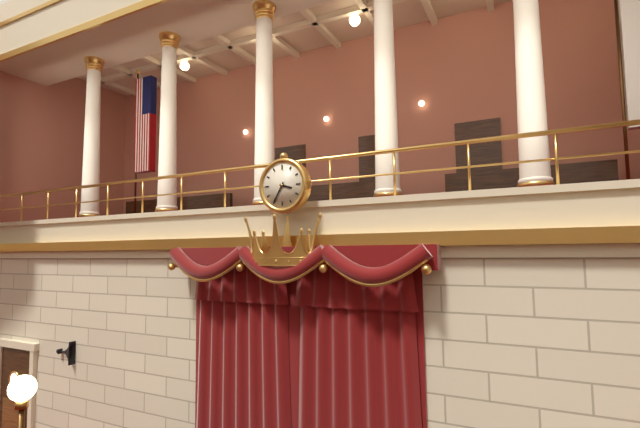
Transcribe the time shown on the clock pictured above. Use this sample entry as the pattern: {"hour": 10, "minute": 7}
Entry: {"hour": 3, "minute": 35}
